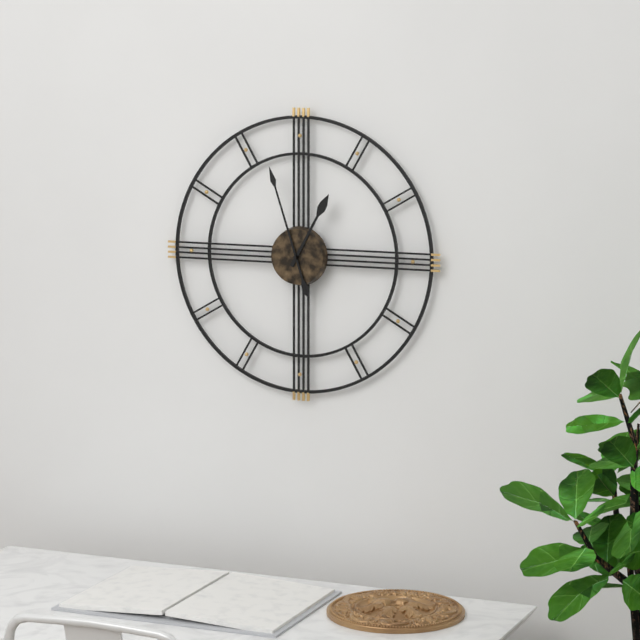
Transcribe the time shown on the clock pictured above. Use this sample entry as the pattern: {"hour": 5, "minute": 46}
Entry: {"hour": 12, "minute": 57}
